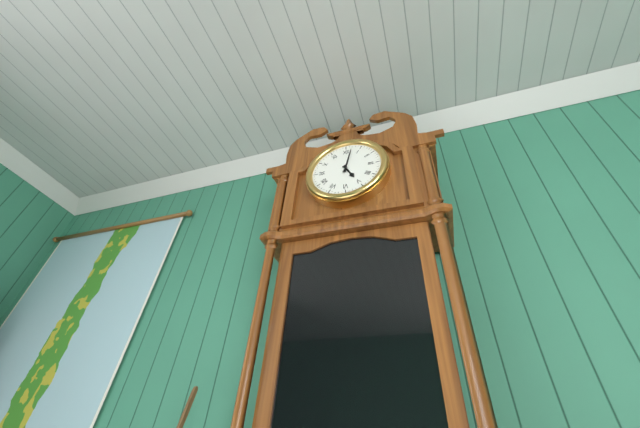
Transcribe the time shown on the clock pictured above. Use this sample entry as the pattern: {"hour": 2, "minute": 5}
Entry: {"hour": 5, "minute": 2}
